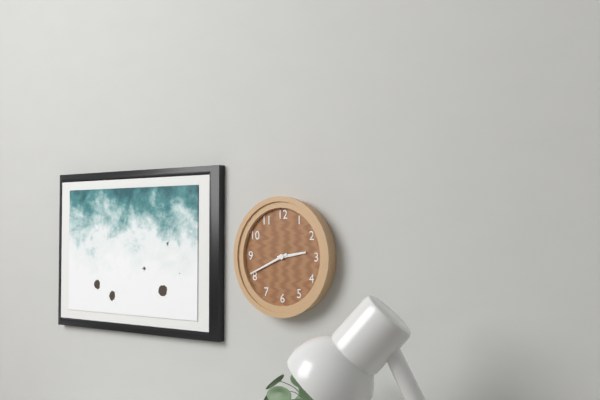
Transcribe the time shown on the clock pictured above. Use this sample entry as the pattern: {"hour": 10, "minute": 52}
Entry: {"hour": 2, "minute": 41}
